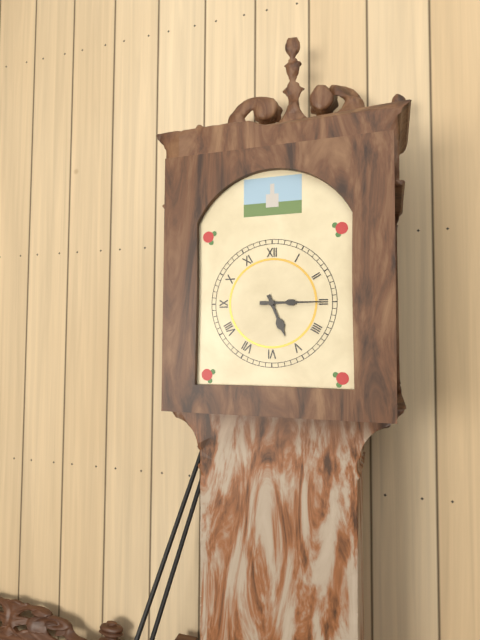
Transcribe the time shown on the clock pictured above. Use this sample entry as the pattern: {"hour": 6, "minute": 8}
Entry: {"hour": 5, "minute": 15}
